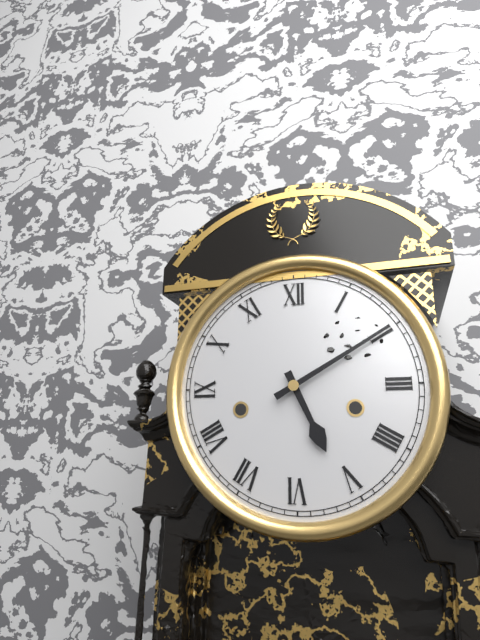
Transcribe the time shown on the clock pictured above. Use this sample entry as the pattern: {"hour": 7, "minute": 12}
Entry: {"hour": 5, "minute": 10}
